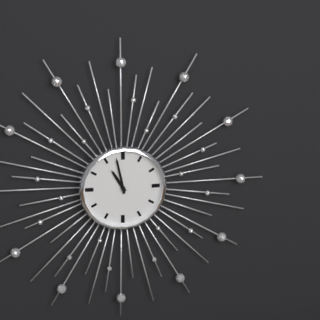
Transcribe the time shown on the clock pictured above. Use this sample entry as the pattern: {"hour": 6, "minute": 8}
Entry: {"hour": 10, "minute": 58}
